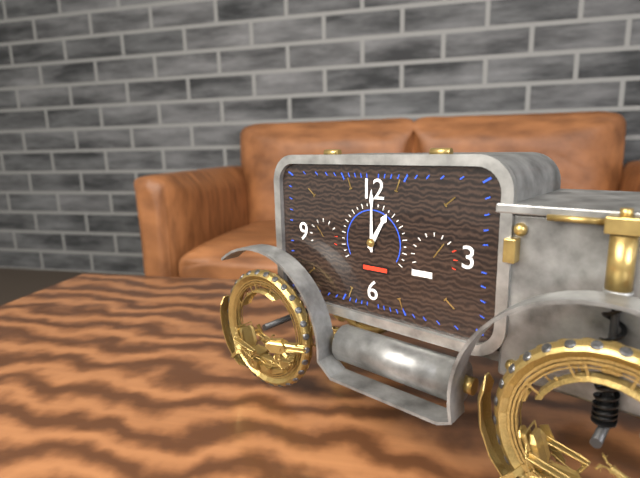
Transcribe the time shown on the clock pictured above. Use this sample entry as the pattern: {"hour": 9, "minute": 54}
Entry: {"hour": 1, "minute": 0}
